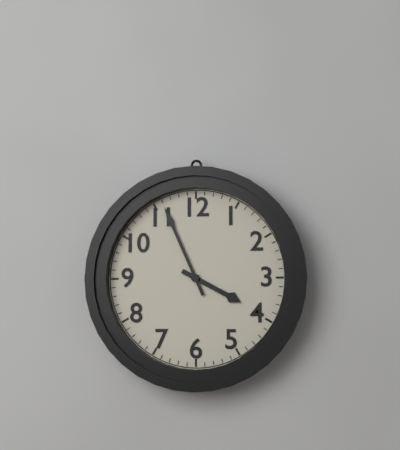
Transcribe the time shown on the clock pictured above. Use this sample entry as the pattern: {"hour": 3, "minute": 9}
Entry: {"hour": 3, "minute": 56}
